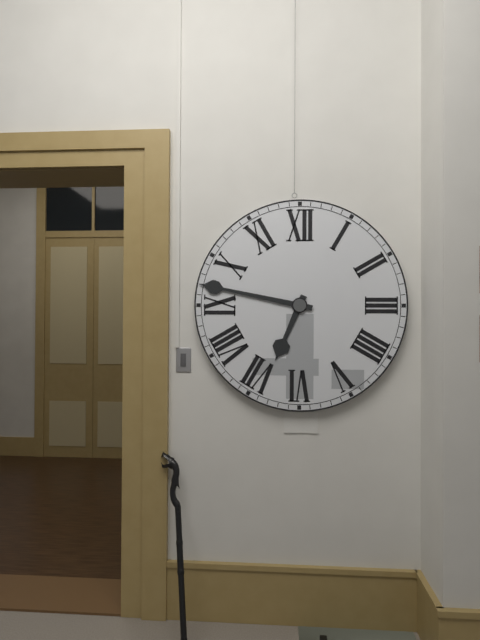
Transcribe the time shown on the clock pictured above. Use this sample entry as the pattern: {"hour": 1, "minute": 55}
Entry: {"hour": 6, "minute": 47}
